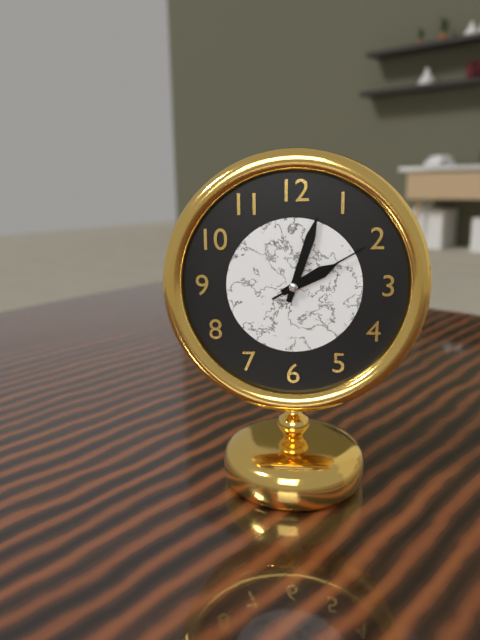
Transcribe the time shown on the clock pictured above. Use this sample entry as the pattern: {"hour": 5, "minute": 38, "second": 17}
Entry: {"hour": 2, "minute": 3, "second": 10}
